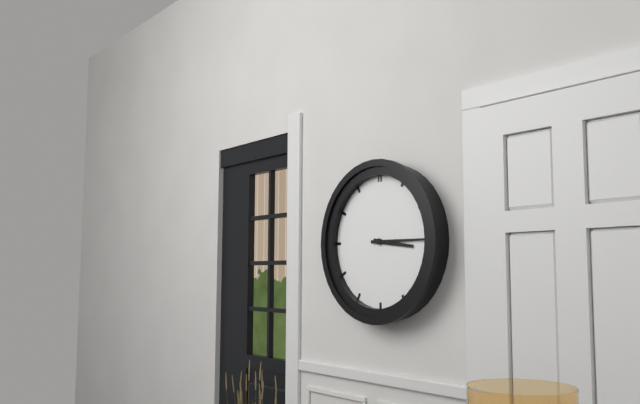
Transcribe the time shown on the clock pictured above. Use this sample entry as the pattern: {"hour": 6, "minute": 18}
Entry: {"hour": 3, "minute": 15}
